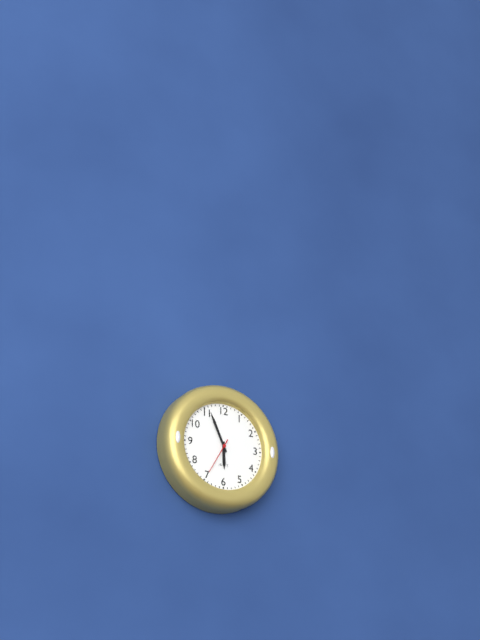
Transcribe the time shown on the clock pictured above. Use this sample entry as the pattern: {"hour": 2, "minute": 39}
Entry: {"hour": 5, "minute": 56}
